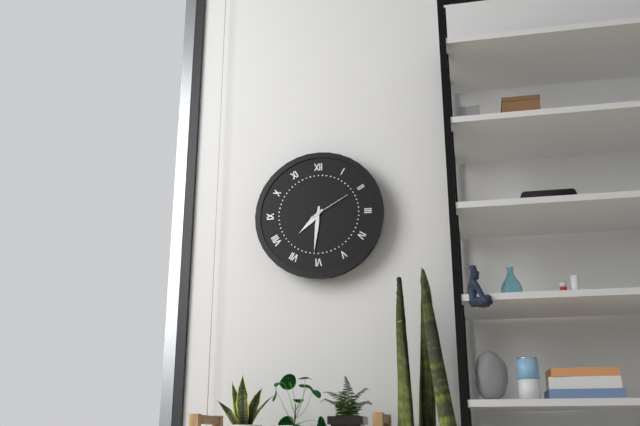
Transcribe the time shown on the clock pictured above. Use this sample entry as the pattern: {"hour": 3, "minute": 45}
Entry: {"hour": 7, "minute": 31}
